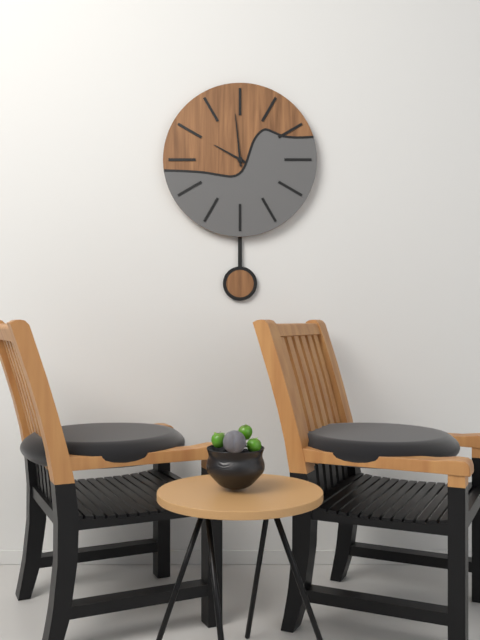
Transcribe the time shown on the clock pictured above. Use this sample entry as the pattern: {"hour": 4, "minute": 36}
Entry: {"hour": 9, "minute": 59}
